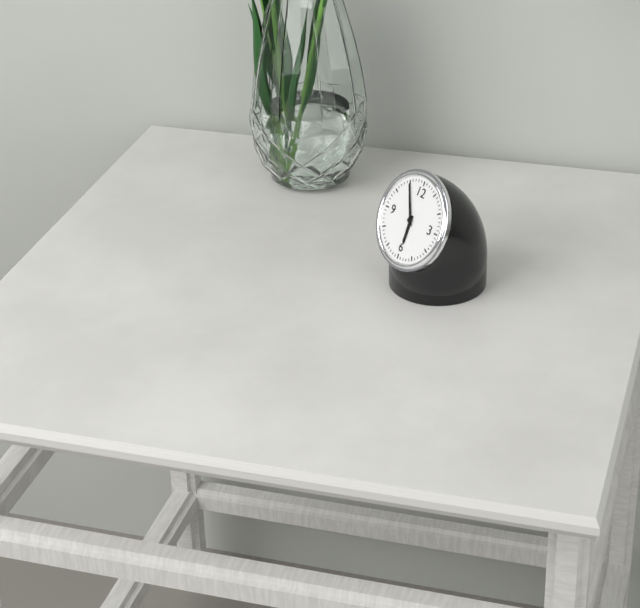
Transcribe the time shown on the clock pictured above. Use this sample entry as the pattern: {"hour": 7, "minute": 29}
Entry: {"hour": 5, "minute": 55}
